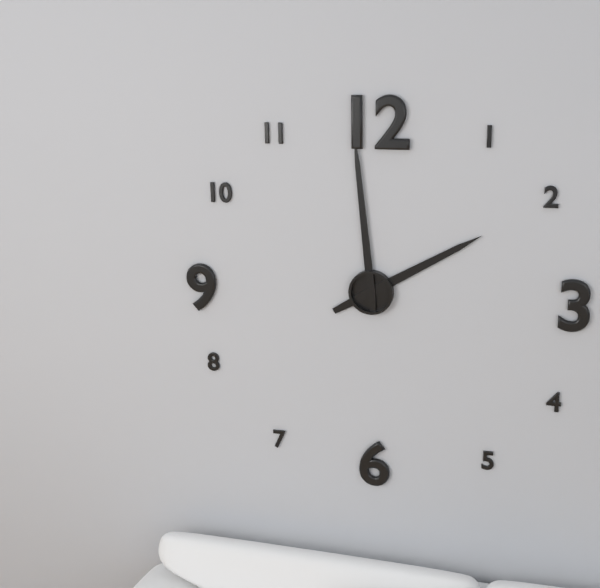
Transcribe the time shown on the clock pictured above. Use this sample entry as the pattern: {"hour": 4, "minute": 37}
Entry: {"hour": 1, "minute": 59}
